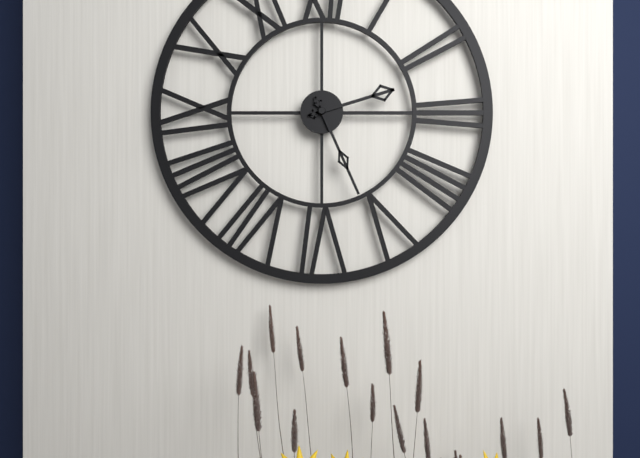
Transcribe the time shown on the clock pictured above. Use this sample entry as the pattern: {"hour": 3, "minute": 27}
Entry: {"hour": 2, "minute": 26}
